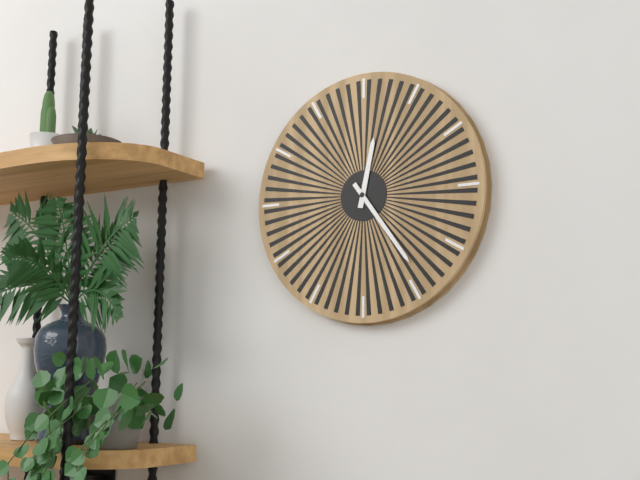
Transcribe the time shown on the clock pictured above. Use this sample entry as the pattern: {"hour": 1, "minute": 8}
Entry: {"hour": 12, "minute": 24}
